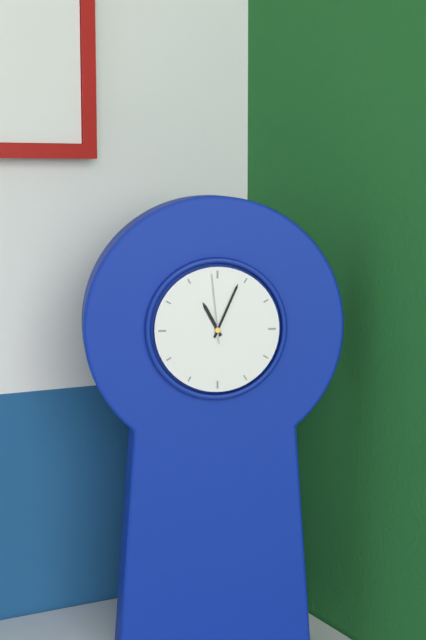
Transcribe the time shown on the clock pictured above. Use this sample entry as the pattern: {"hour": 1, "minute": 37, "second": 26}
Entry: {"hour": 11, "minute": 4, "second": 59}
